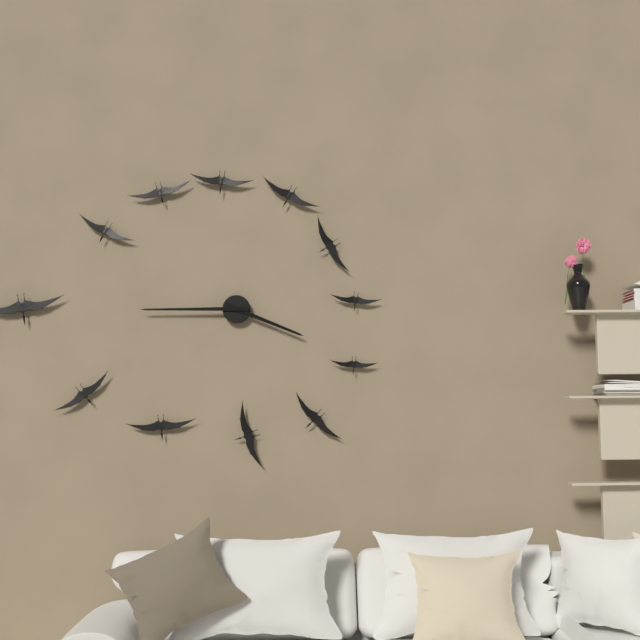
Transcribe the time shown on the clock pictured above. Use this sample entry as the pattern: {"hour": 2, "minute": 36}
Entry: {"hour": 3, "minute": 45}
